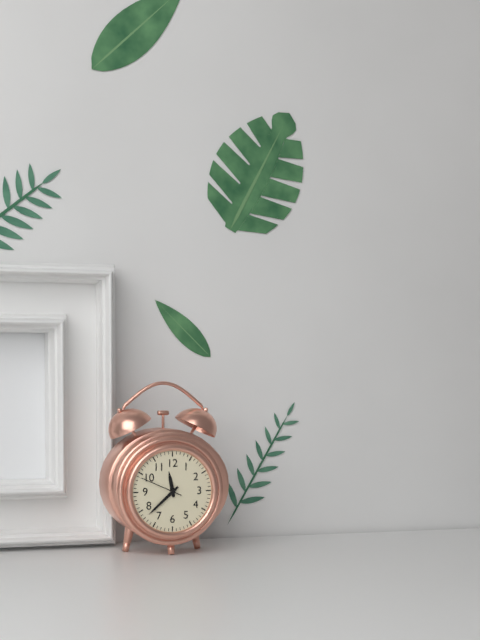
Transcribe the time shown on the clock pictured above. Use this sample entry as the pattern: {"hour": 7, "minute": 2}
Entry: {"hour": 11, "minute": 38}
